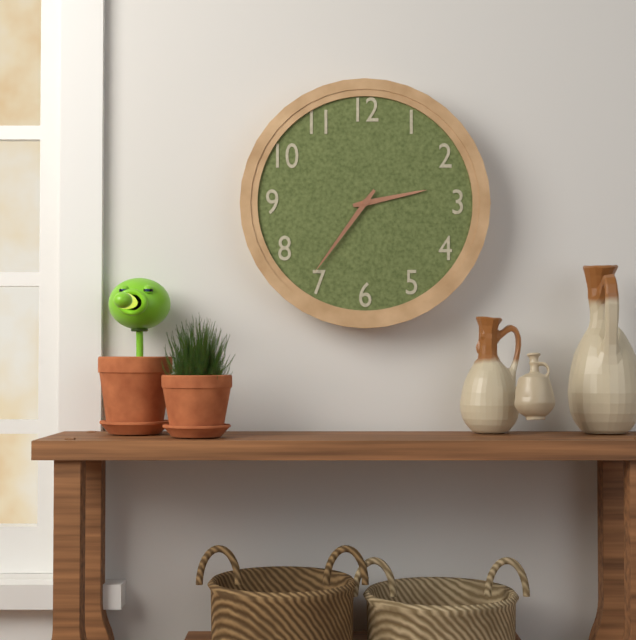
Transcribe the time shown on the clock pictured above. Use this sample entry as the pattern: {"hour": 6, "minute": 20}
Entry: {"hour": 2, "minute": 36}
